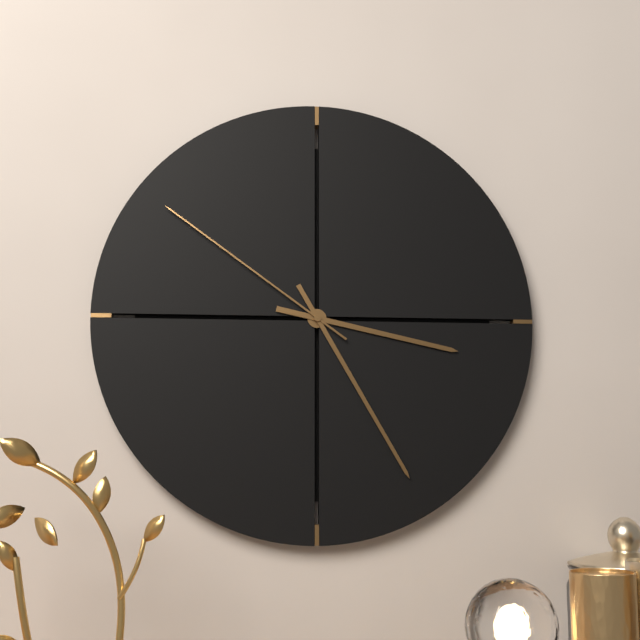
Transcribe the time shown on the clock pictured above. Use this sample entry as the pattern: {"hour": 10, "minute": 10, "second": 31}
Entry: {"hour": 3, "minute": 25, "second": 51}
